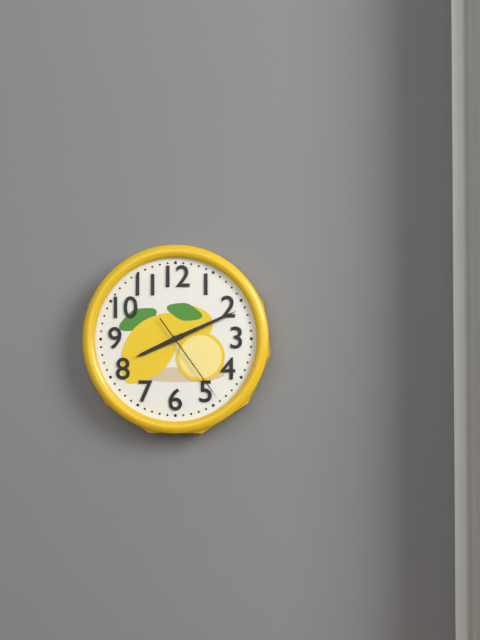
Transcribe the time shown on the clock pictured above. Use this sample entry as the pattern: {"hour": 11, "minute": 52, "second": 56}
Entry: {"hour": 8, "minute": 11, "second": 24}
